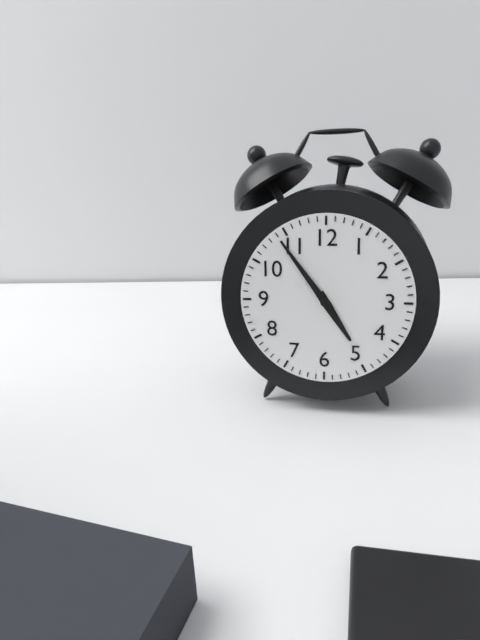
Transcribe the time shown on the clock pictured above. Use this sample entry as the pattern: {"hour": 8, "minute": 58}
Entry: {"hour": 4, "minute": 54}
